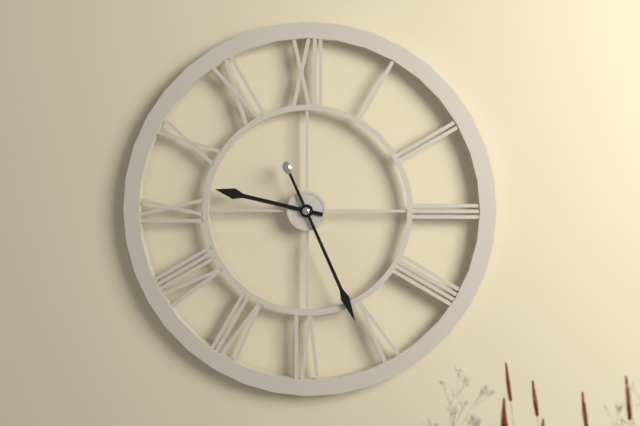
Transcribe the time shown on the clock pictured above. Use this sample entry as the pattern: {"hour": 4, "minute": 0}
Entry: {"hour": 9, "minute": 26}
